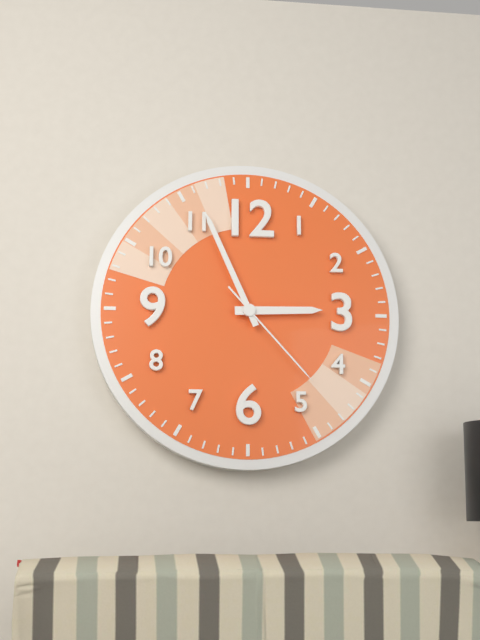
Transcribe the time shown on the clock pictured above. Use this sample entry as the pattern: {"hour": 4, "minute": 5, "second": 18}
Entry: {"hour": 2, "minute": 56, "second": 23}
